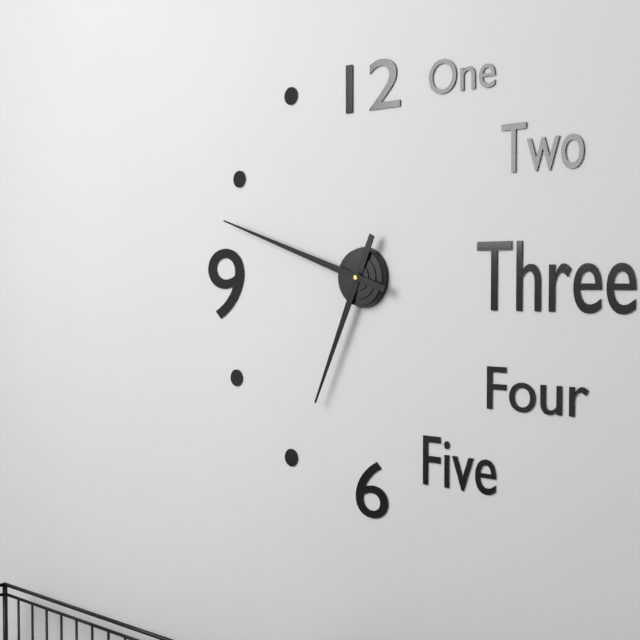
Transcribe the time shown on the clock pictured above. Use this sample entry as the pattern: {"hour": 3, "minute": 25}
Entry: {"hour": 6, "minute": 48}
